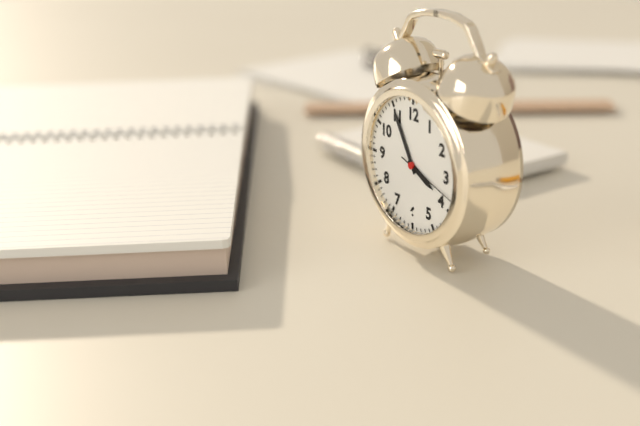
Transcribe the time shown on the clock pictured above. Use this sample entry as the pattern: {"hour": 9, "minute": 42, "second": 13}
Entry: {"hour": 3, "minute": 55, "second": 18}
